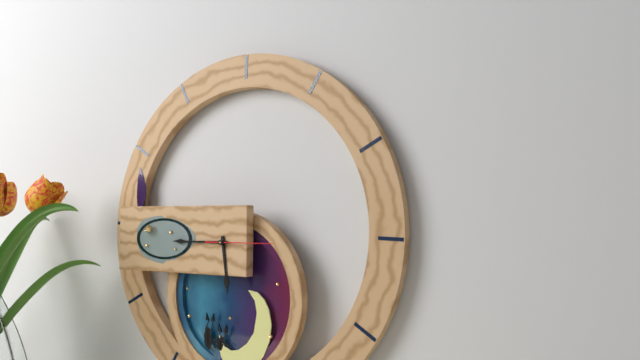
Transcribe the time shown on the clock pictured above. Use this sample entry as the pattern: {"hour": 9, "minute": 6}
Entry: {"hour": 5, "minute": 45}
